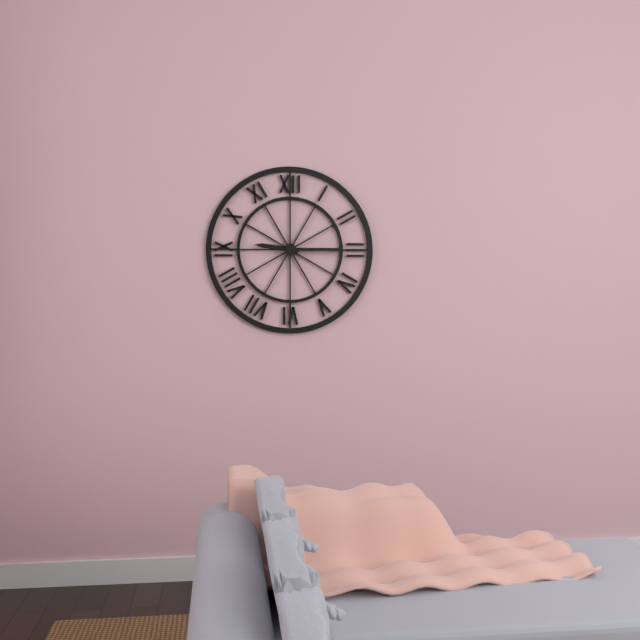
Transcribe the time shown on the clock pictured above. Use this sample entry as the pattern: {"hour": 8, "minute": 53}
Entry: {"hour": 9, "minute": 15}
